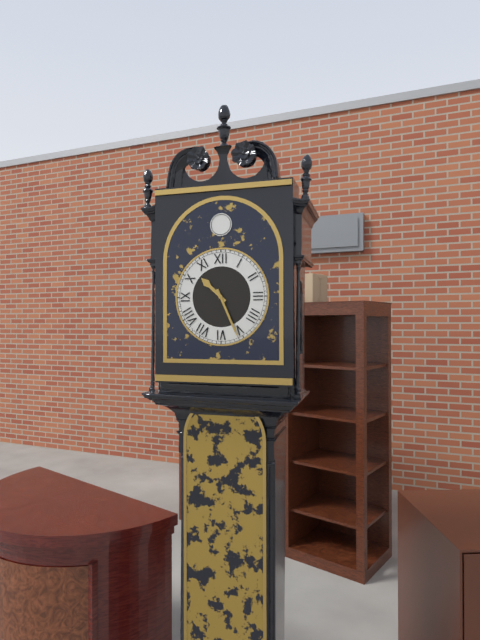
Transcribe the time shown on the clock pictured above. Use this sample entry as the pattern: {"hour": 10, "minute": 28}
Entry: {"hour": 10, "minute": 26}
